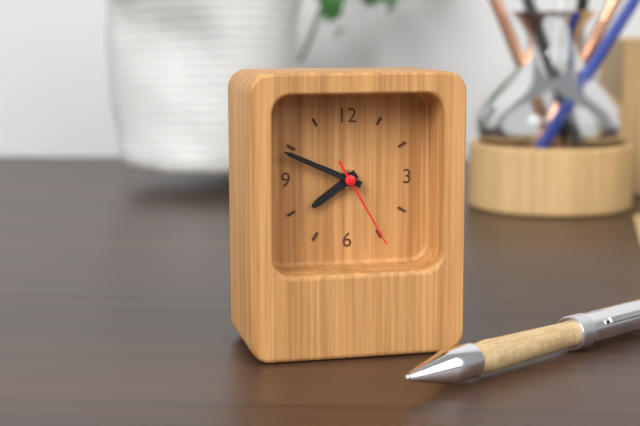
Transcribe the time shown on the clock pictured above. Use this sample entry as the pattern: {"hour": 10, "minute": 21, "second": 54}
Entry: {"hour": 7, "minute": 49, "second": 25}
